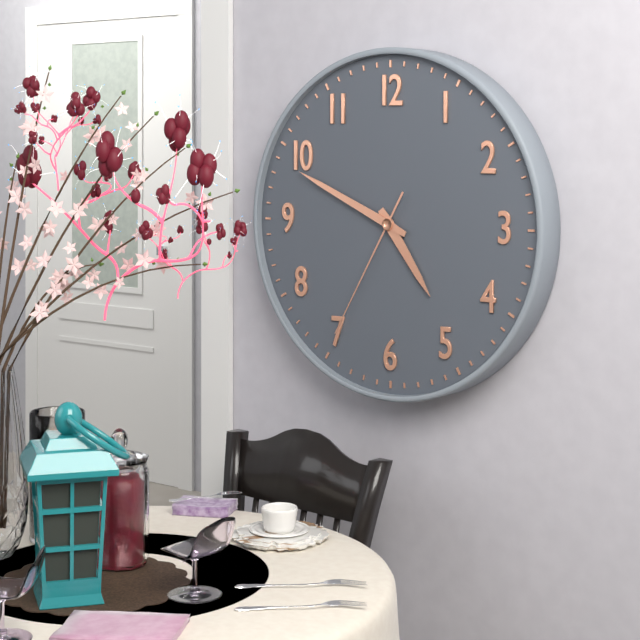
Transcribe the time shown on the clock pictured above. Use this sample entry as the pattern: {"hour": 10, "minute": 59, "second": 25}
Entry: {"hour": 4, "minute": 49, "second": 35}
